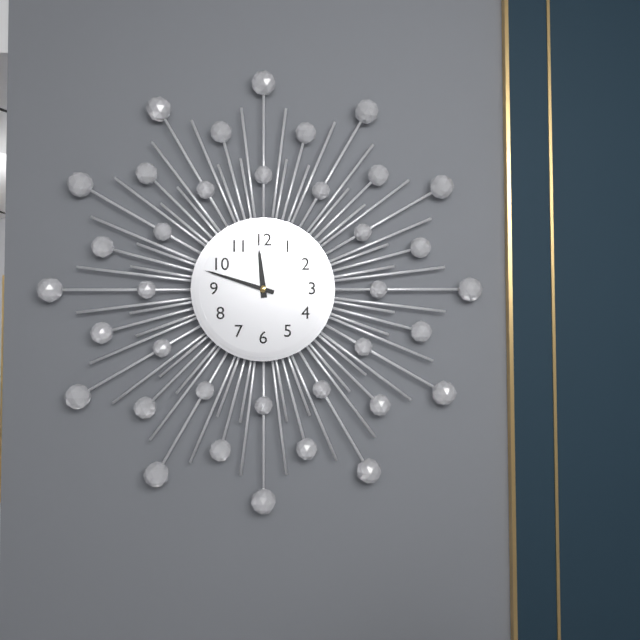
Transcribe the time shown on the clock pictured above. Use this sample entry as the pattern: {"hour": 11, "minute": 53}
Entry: {"hour": 11, "minute": 48}
